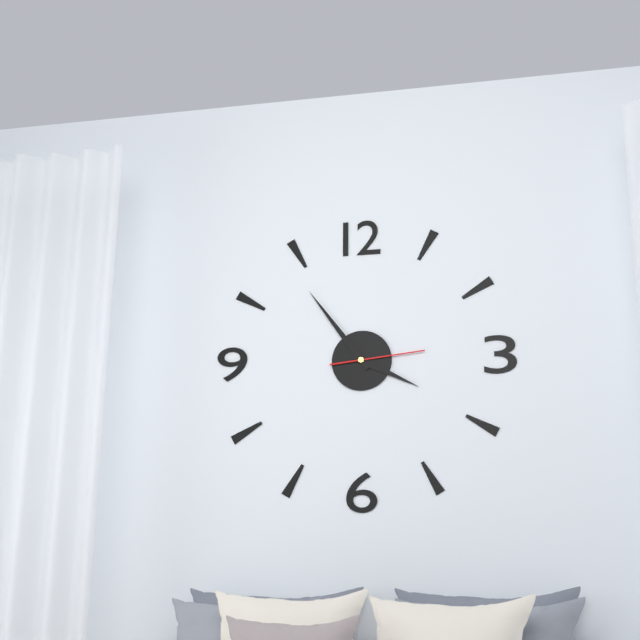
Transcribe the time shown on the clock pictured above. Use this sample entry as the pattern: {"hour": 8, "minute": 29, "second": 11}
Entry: {"hour": 3, "minute": 54, "second": 14}
